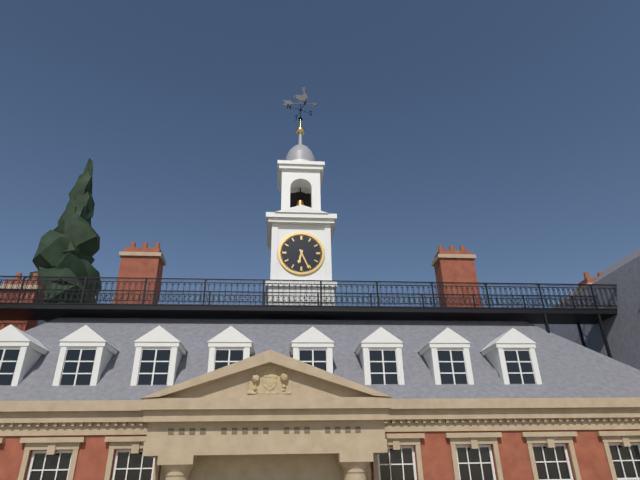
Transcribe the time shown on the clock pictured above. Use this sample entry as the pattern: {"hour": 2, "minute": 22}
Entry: {"hour": 6, "minute": 26}
